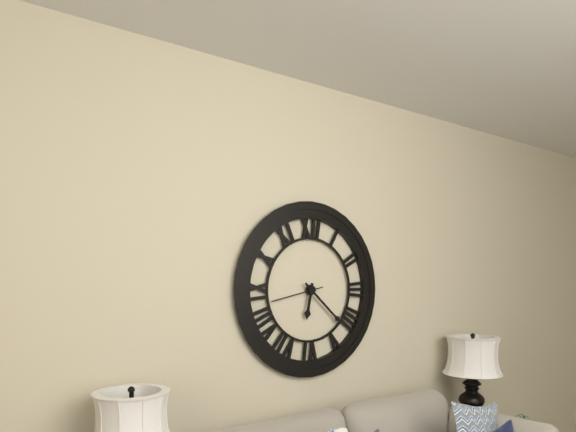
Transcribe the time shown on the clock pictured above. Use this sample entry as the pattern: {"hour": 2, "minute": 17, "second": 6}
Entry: {"hour": 6, "minute": 22, "second": 43}
